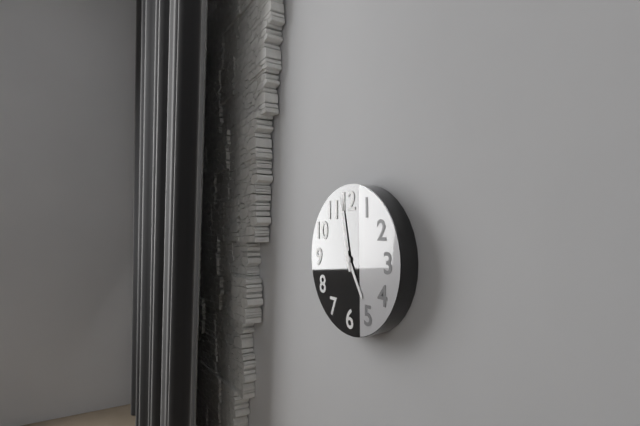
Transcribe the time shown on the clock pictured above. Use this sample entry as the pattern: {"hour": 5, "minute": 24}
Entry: {"hour": 4, "minute": 58}
